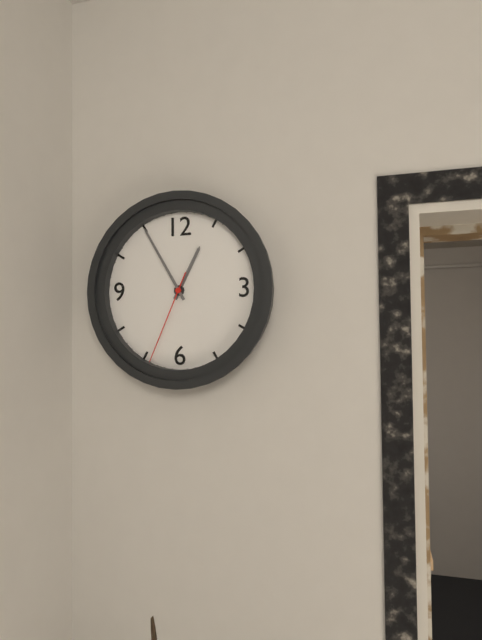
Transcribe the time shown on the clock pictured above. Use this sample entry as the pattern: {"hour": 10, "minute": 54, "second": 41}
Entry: {"hour": 12, "minute": 55, "second": 34}
